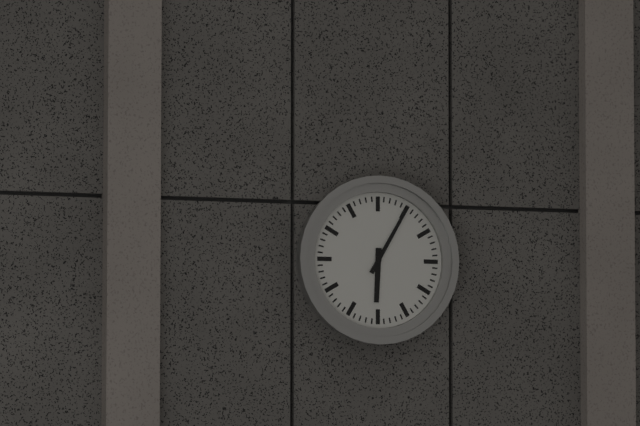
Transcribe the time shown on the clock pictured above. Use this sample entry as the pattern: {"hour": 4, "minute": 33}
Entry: {"hour": 6, "minute": 5}
